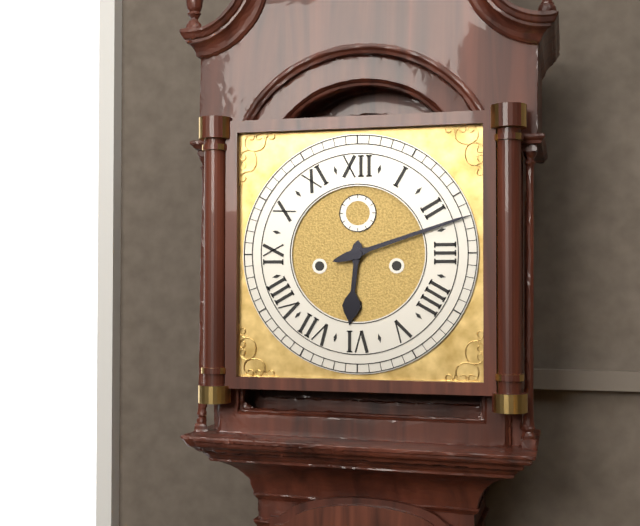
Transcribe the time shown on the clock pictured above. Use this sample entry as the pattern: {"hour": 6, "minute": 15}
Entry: {"hour": 6, "minute": 12}
